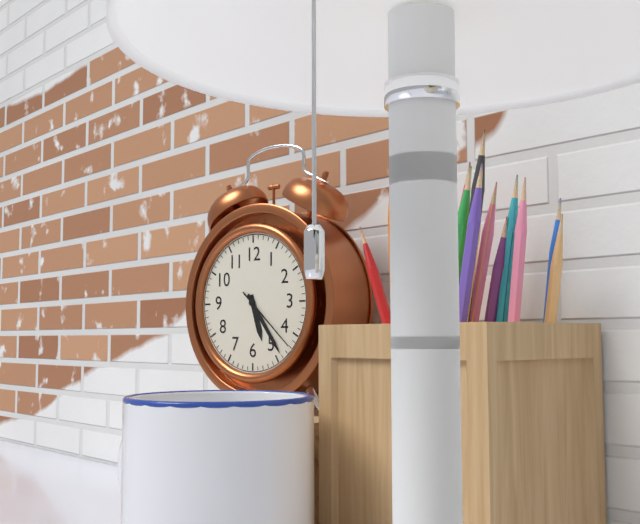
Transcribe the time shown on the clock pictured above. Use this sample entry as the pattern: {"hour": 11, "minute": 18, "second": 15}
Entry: {"hour": 5, "minute": 24, "second": 22}
